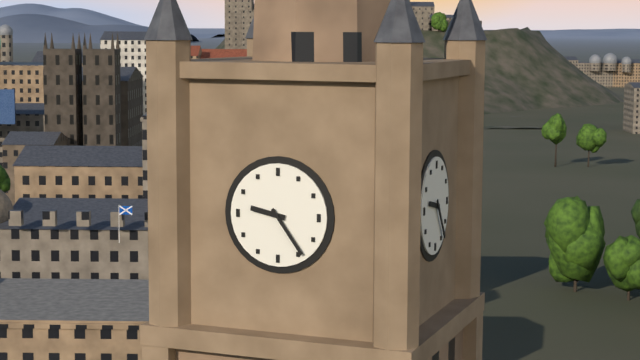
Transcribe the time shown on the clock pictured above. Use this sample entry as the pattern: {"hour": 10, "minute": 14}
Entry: {"hour": 9, "minute": 24}
